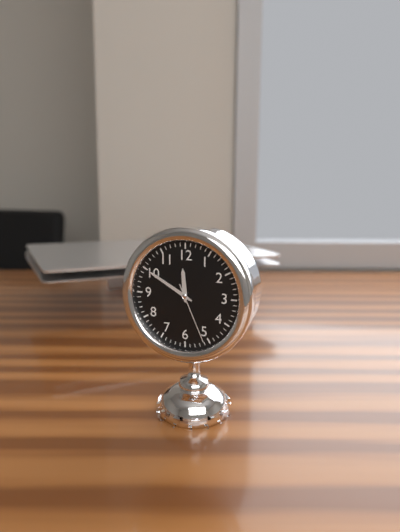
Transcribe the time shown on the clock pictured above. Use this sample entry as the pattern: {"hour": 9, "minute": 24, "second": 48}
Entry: {"hour": 11, "minute": 50, "second": 26}
